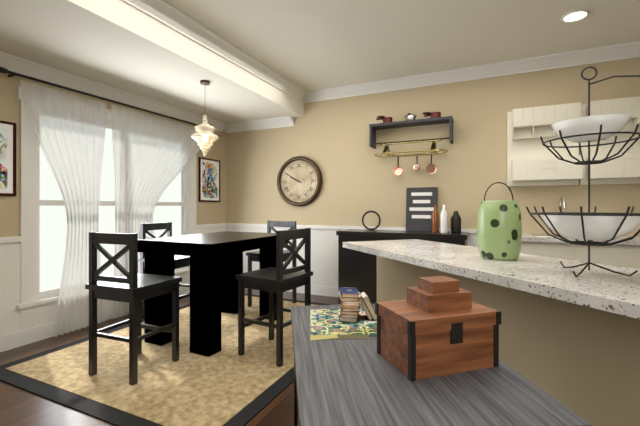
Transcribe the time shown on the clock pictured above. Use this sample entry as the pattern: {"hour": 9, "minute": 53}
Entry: {"hour": 9, "minute": 50}
